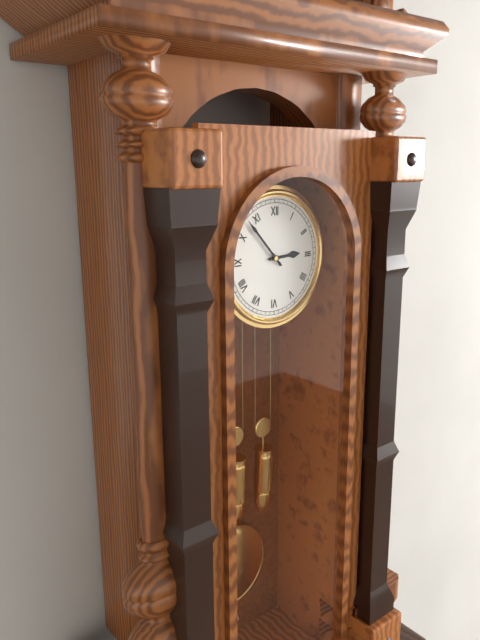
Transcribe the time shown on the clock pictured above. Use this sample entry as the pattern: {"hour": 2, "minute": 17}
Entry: {"hour": 2, "minute": 53}
